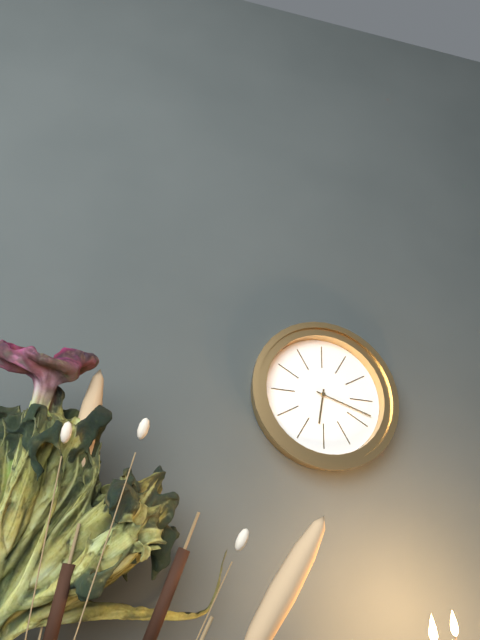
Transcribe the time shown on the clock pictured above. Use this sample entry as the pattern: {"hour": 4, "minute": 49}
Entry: {"hour": 6, "minute": 18}
